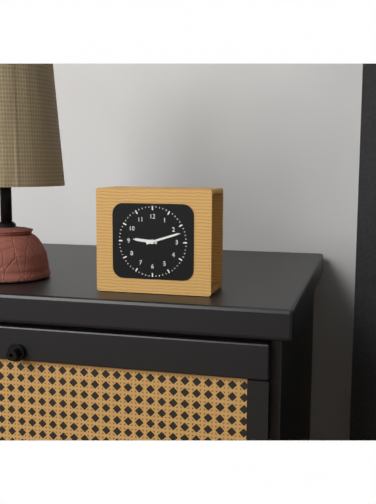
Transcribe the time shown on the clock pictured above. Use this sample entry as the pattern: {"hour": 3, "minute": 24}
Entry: {"hour": 9, "minute": 12}
